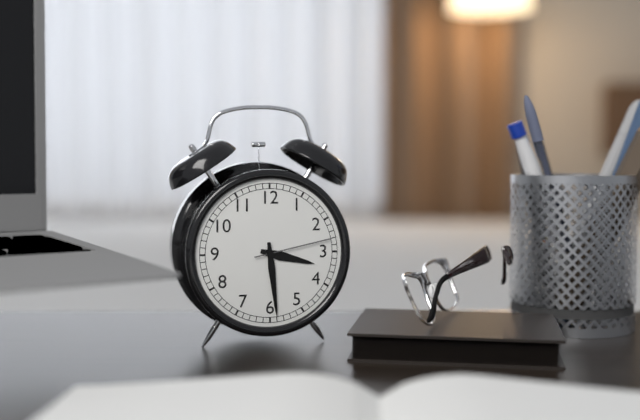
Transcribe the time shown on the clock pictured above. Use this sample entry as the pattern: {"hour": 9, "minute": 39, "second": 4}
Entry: {"hour": 3, "minute": 29, "second": 13}
